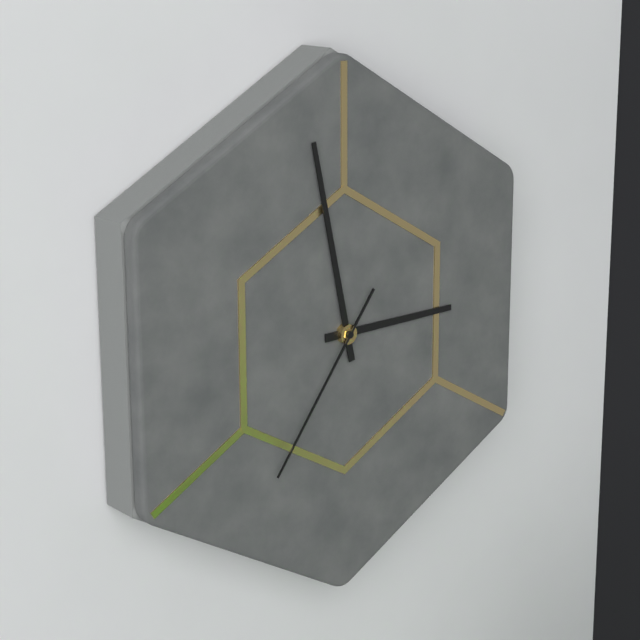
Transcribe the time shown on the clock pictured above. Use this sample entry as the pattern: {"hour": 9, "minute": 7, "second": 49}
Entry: {"hour": 2, "minute": 58, "second": 36}
